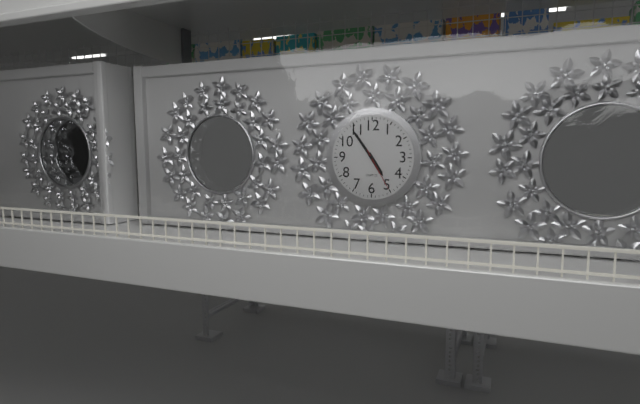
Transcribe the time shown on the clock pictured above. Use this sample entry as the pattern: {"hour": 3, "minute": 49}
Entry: {"hour": 4, "minute": 54}
